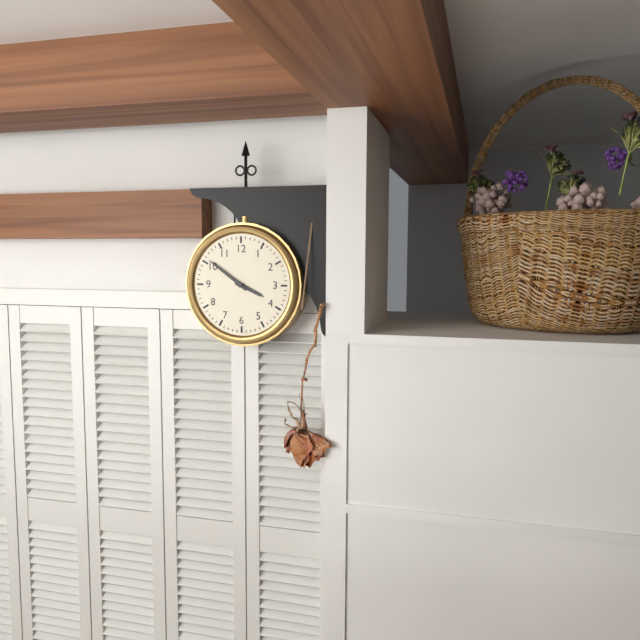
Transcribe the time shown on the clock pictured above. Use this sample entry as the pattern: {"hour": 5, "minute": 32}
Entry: {"hour": 3, "minute": 51}
